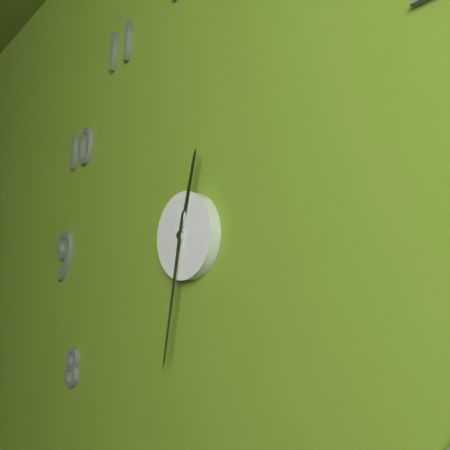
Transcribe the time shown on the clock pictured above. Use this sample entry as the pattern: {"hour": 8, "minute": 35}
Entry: {"hour": 12, "minute": 32}
